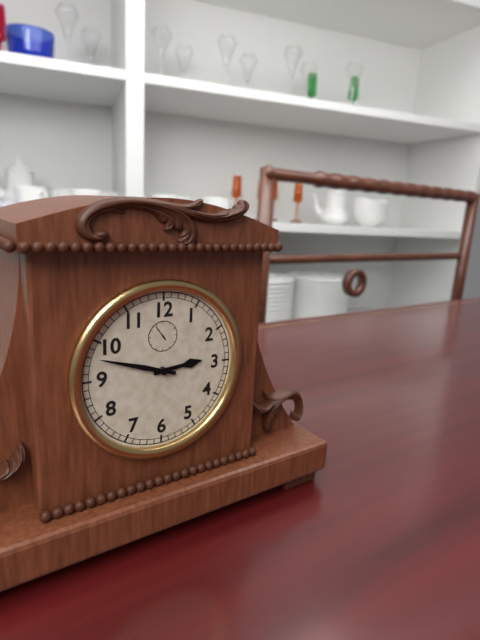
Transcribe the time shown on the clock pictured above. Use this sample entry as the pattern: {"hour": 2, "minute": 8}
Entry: {"hour": 2, "minute": 48}
